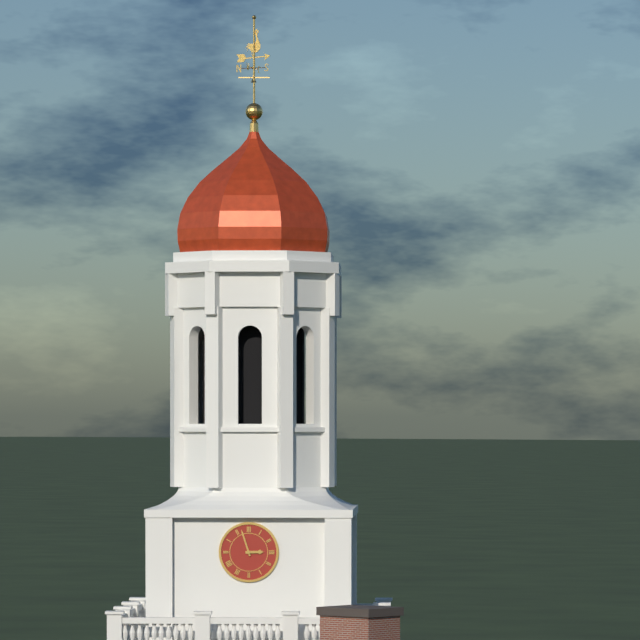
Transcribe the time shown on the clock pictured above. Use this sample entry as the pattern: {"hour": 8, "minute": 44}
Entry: {"hour": 2, "minute": 57}
